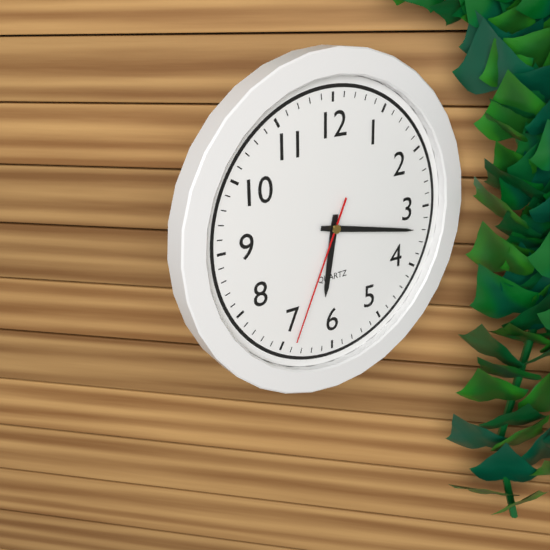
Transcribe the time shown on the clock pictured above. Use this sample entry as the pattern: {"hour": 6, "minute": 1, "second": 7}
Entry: {"hour": 6, "minute": 17, "second": 34}
